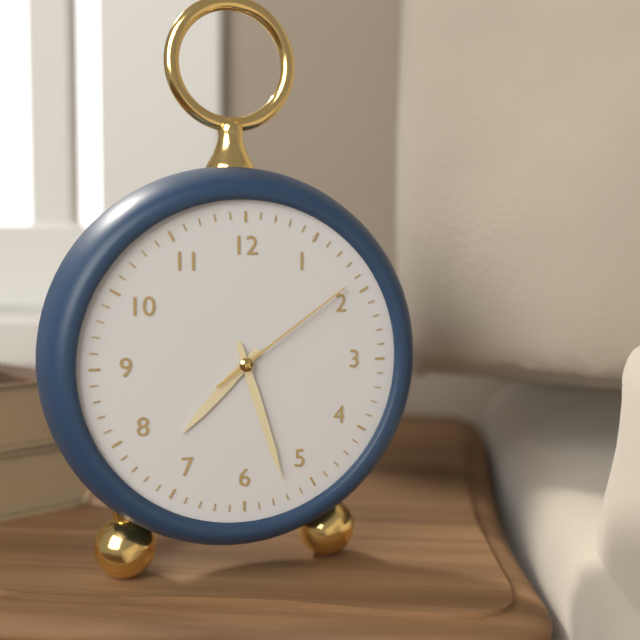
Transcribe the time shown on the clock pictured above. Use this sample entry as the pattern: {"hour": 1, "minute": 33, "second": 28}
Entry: {"hour": 7, "minute": 27, "second": 9}
